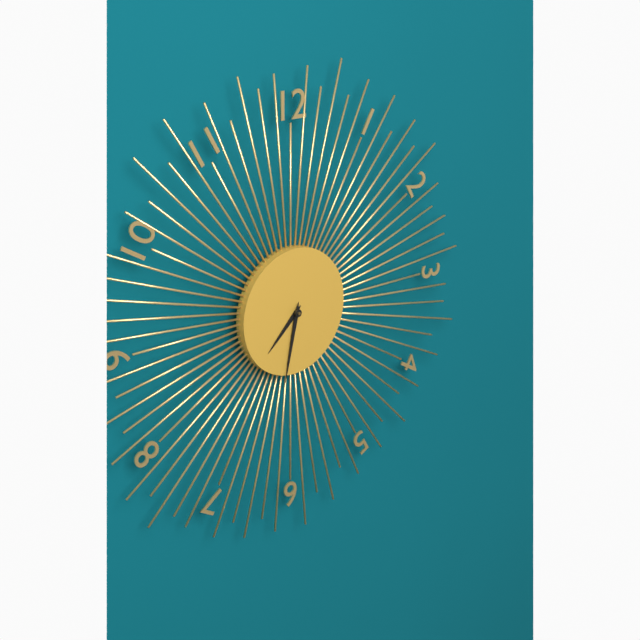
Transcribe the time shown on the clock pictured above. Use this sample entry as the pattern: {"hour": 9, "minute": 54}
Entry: {"hour": 7, "minute": 32}
